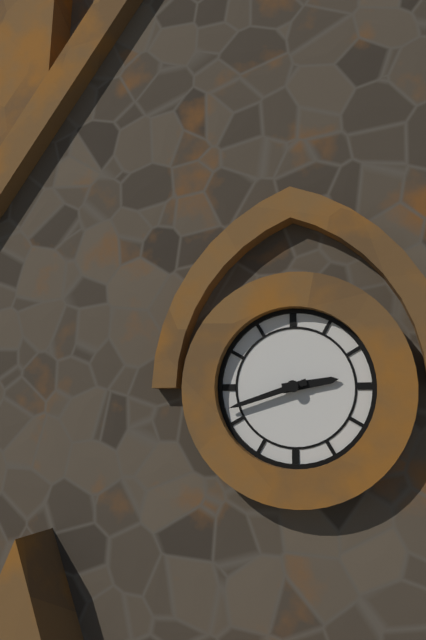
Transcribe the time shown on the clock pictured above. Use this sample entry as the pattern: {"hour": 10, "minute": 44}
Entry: {"hour": 2, "minute": 42}
